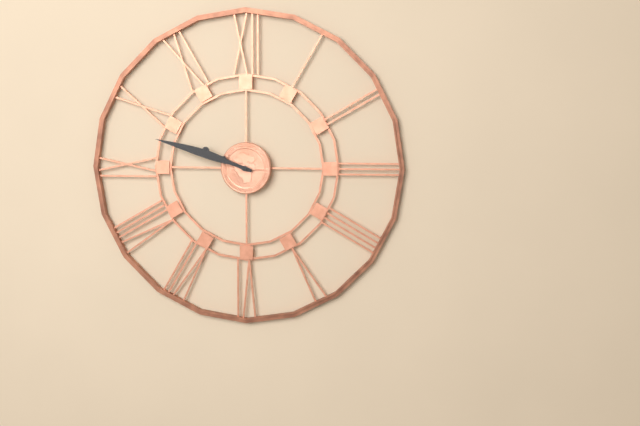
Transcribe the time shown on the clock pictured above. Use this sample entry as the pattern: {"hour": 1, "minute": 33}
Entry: {"hour": 9, "minute": 48}
